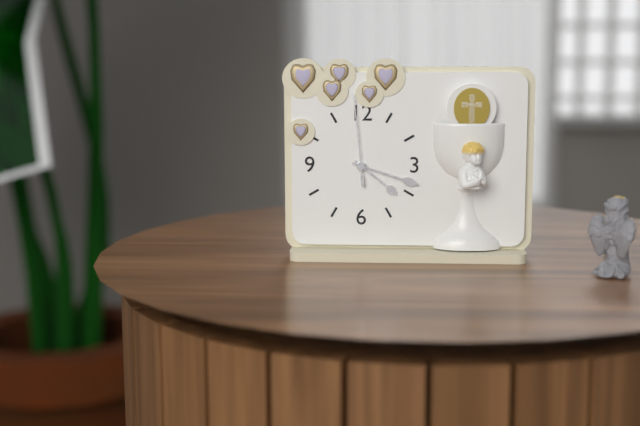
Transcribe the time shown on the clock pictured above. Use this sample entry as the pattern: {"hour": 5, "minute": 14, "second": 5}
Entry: {"hour": 4, "minute": 18, "second": 59}
